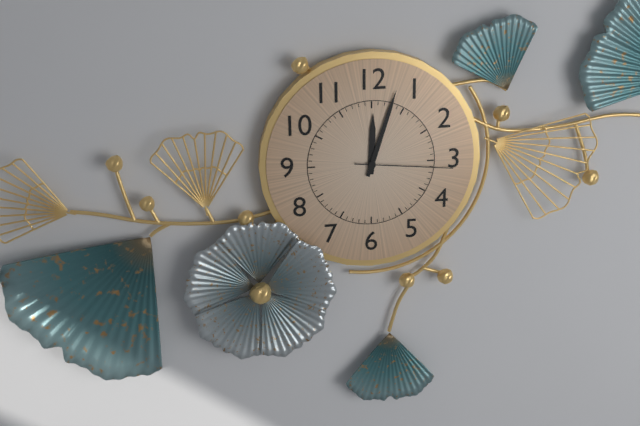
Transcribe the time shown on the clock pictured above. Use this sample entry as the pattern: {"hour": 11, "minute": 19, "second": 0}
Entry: {"hour": 12, "minute": 3, "second": 16}
